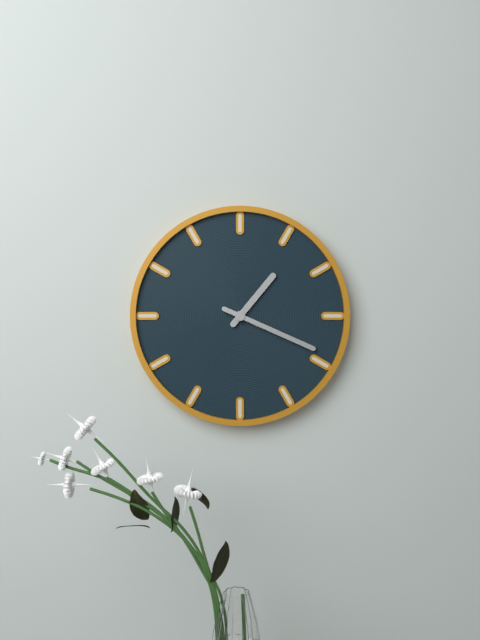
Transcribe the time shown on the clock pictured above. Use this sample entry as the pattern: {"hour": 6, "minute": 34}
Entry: {"hour": 1, "minute": 19}
